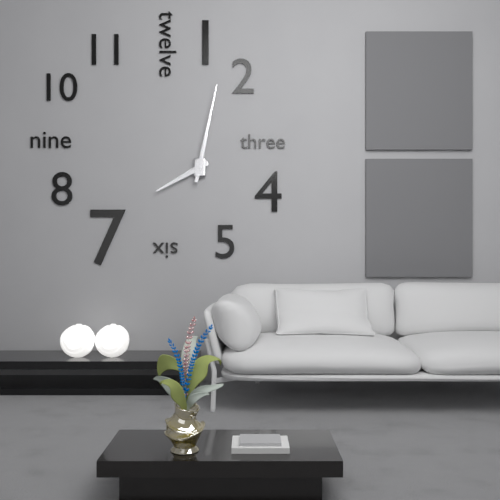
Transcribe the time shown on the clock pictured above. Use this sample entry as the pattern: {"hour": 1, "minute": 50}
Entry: {"hour": 8, "minute": 2}
